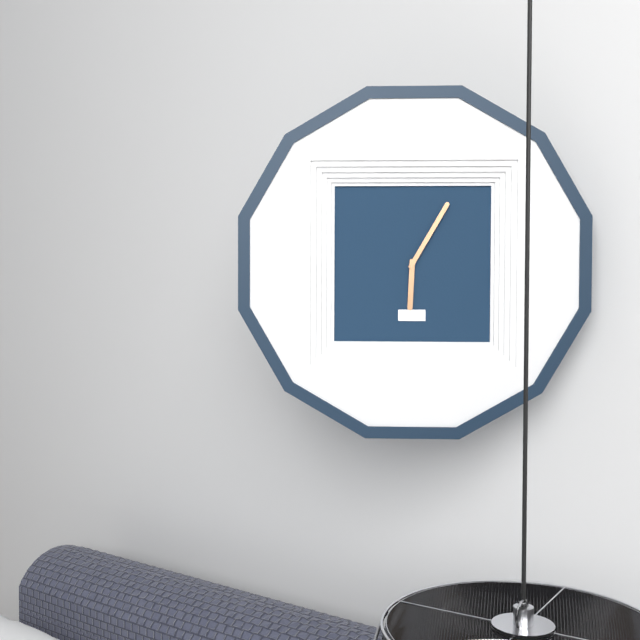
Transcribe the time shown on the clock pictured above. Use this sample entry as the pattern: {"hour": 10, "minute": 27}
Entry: {"hour": 6, "minute": 5}
